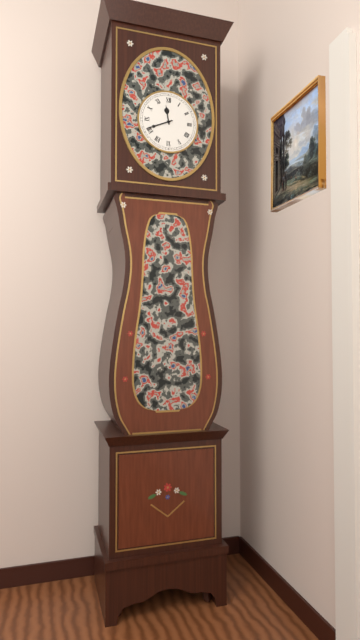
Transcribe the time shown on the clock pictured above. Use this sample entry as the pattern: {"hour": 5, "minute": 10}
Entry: {"hour": 11, "minute": 41}
